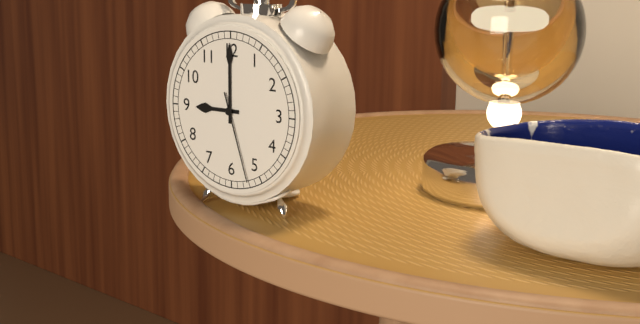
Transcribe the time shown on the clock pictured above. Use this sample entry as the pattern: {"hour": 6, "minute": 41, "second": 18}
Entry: {"hour": 9, "minute": 0, "second": 27}
